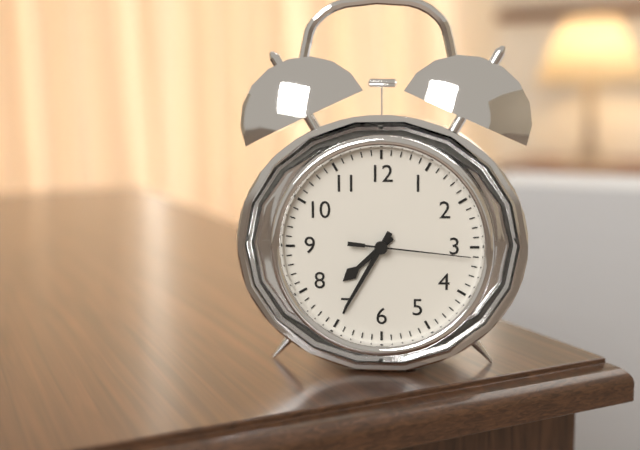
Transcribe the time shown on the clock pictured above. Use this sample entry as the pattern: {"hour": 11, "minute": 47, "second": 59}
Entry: {"hour": 7, "minute": 35, "second": 16}
